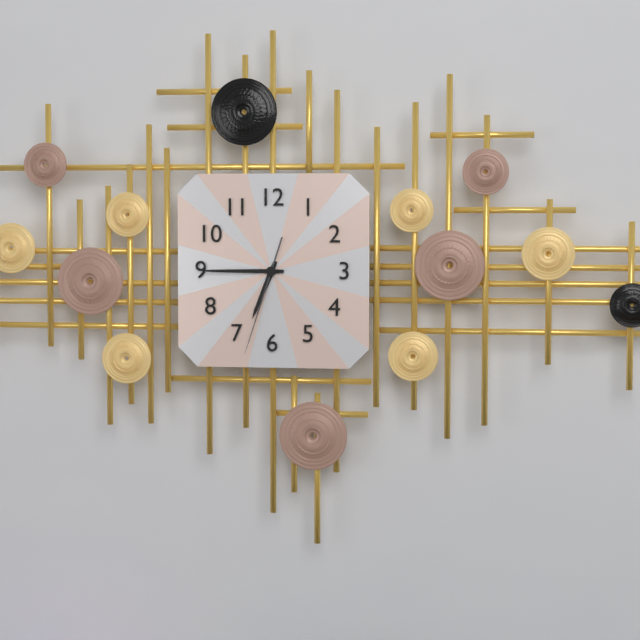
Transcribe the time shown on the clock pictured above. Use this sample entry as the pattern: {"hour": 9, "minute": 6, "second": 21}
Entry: {"hour": 6, "minute": 45, "second": 33}
